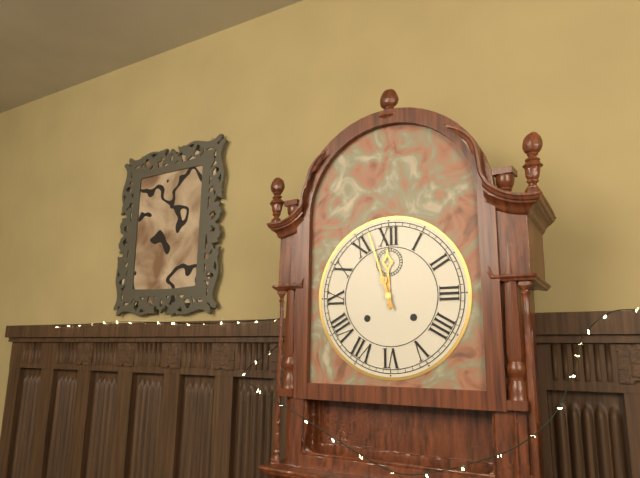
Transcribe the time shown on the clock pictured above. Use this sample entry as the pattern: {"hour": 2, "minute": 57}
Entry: {"hour": 11, "minute": 57}
